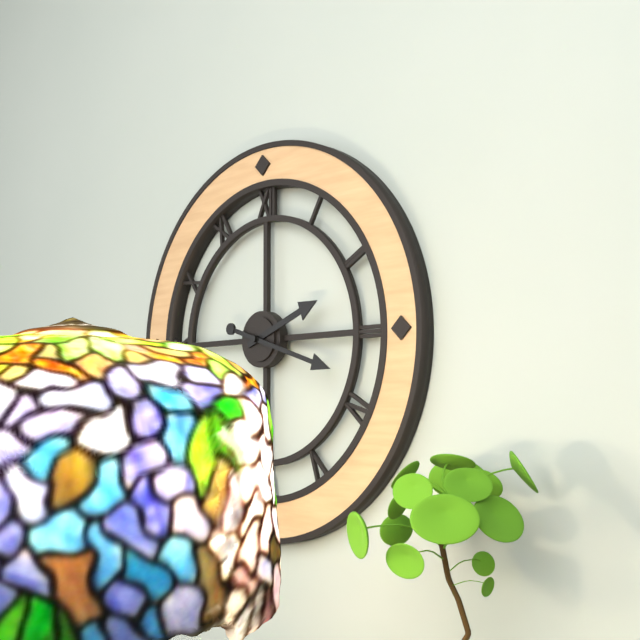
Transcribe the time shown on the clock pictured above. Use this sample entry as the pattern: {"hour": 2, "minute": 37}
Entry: {"hour": 2, "minute": 18}
